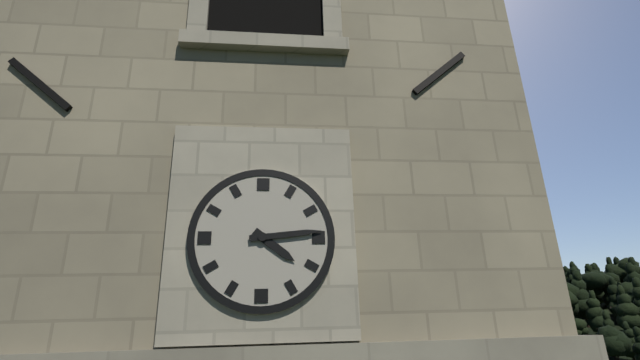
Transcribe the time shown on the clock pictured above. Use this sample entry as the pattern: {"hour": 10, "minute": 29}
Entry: {"hour": 4, "minute": 14}
